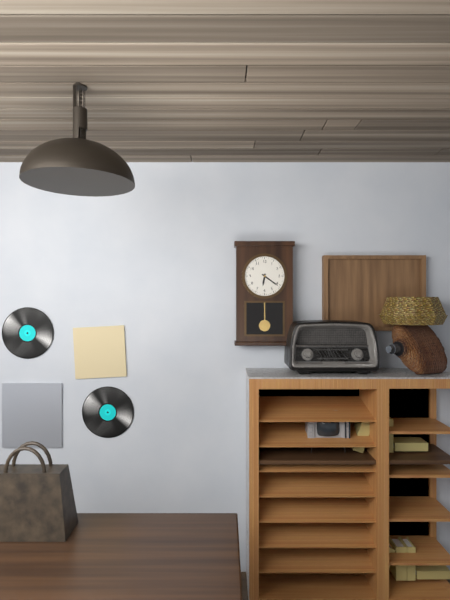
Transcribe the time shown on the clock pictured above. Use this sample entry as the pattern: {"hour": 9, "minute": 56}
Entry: {"hour": 6, "minute": 21}
